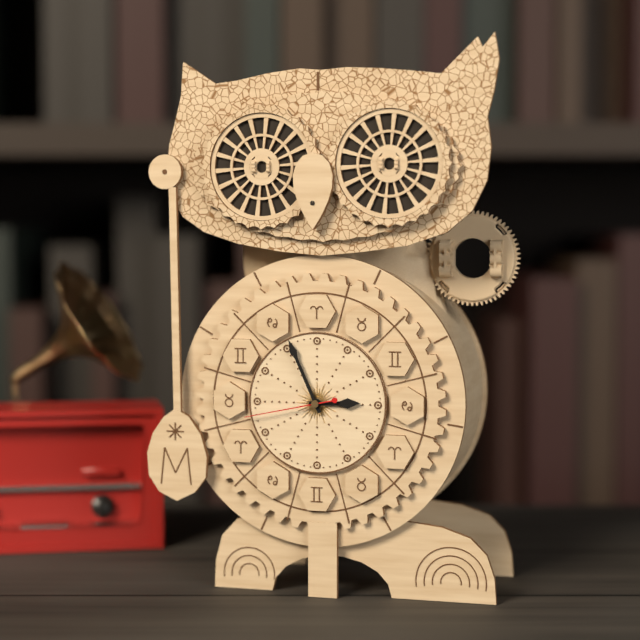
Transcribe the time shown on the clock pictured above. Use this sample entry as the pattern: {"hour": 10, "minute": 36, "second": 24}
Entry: {"hour": 2, "minute": 56, "second": 43}
